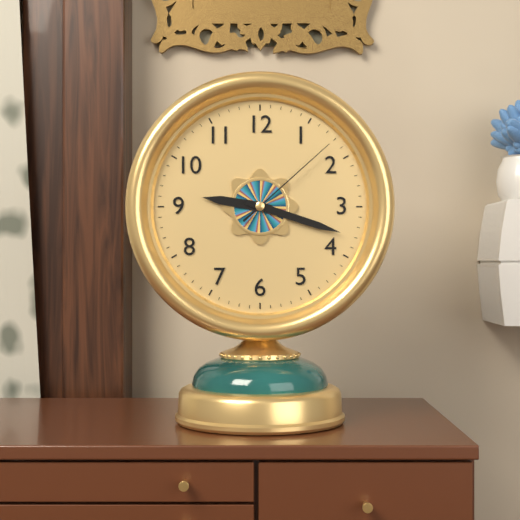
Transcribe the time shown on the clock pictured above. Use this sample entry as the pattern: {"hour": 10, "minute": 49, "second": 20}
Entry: {"hour": 9, "minute": 18, "second": 8}
